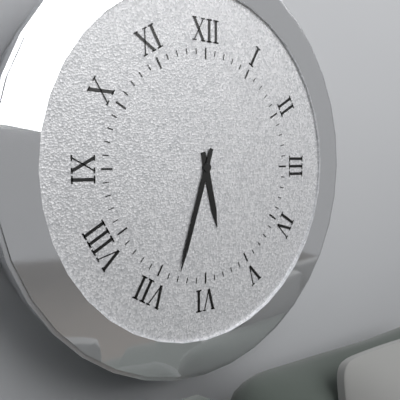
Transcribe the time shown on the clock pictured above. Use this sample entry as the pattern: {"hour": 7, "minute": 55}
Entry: {"hour": 5, "minute": 33}
